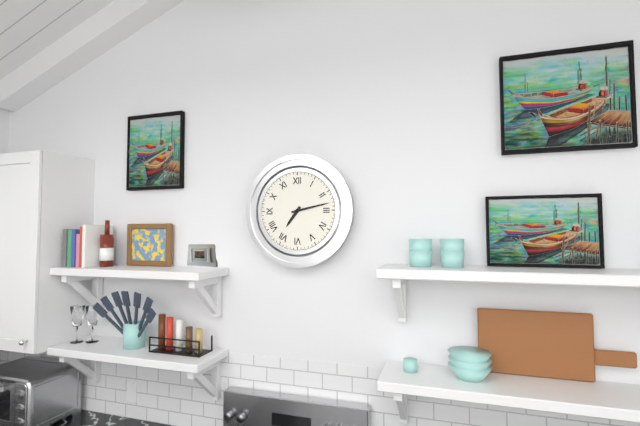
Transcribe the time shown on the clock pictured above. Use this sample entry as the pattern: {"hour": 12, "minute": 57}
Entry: {"hour": 7, "minute": 13}
